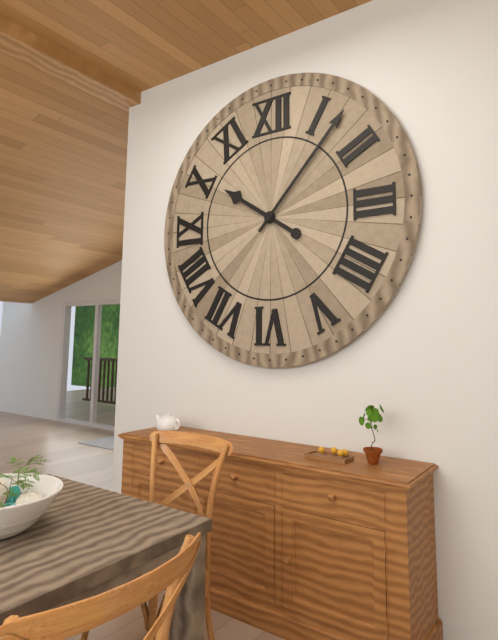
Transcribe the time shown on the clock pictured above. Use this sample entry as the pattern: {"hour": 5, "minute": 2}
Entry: {"hour": 10, "minute": 7}
